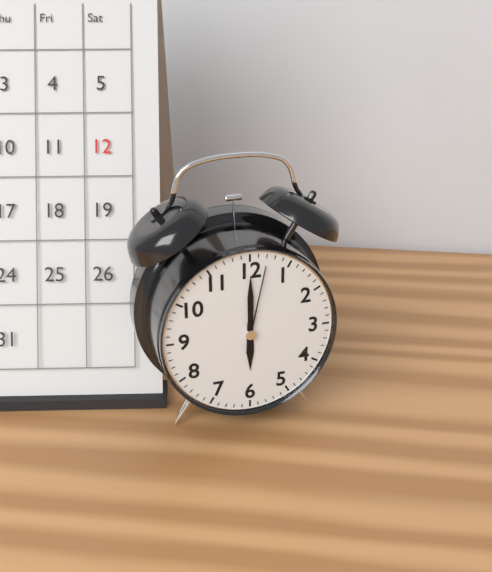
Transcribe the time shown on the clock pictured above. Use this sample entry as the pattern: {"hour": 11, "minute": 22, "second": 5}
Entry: {"hour": 6, "minute": 0, "second": 2}
